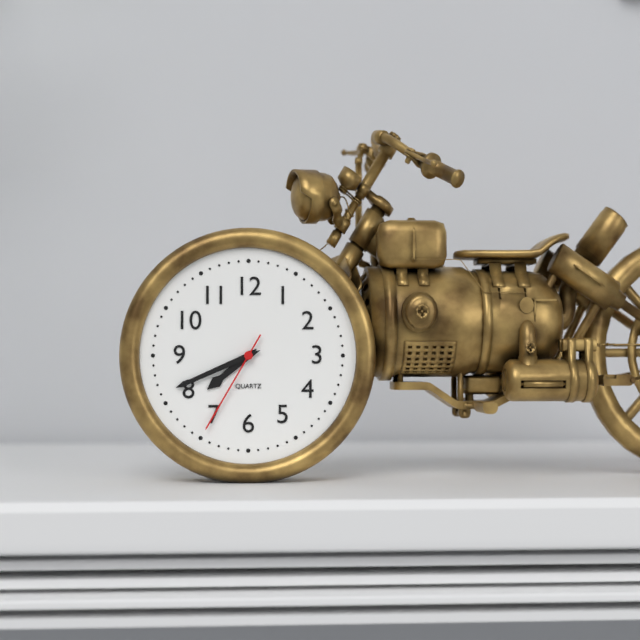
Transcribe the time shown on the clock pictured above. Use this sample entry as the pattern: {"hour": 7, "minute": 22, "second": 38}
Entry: {"hour": 7, "minute": 41, "second": 35}
